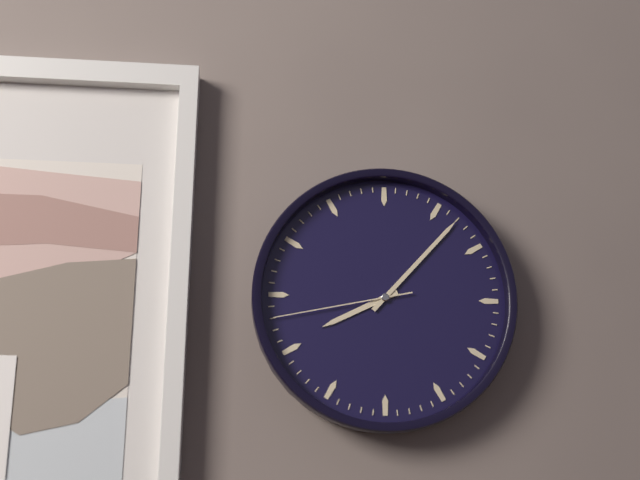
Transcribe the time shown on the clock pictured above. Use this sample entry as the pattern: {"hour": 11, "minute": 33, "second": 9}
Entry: {"hour": 8, "minute": 7, "second": 43}
